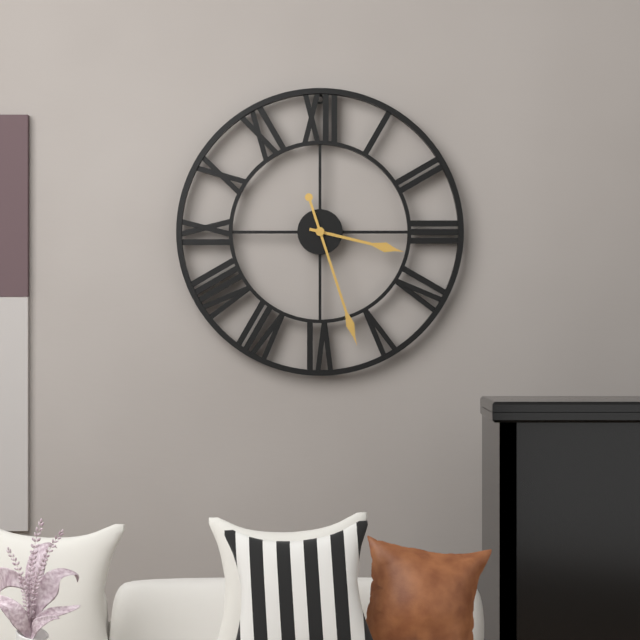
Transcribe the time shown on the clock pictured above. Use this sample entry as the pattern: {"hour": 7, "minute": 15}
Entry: {"hour": 3, "minute": 27}
